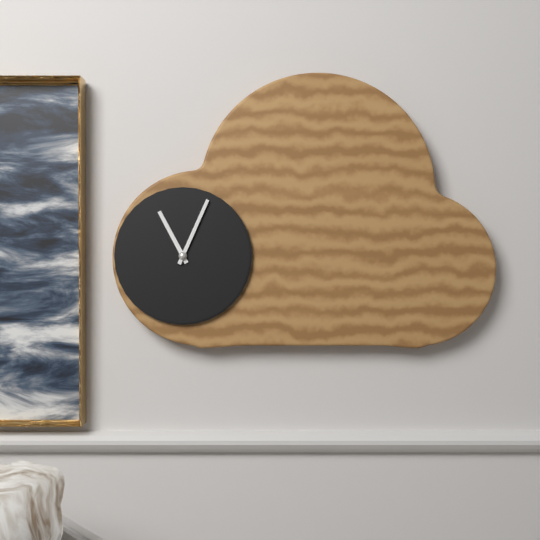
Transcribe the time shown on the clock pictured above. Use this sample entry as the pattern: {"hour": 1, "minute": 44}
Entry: {"hour": 11, "minute": 4}
